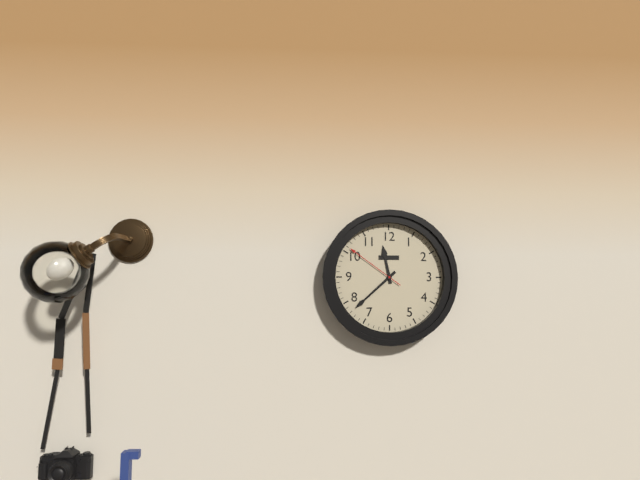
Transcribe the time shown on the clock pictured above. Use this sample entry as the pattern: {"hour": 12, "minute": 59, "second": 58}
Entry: {"hour": 11, "minute": 38, "second": 51}
